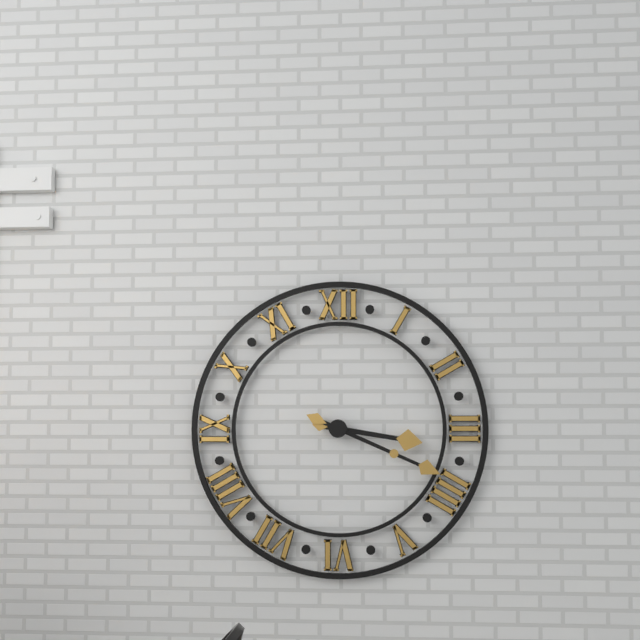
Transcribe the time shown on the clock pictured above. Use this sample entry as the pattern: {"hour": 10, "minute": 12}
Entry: {"hour": 3, "minute": 19}
